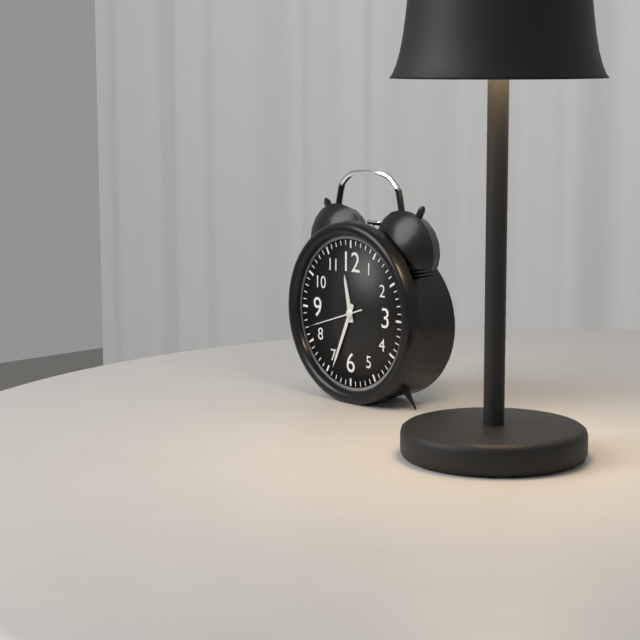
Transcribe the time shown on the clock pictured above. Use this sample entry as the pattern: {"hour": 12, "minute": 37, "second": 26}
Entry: {"hour": 11, "minute": 34, "second": 42}
